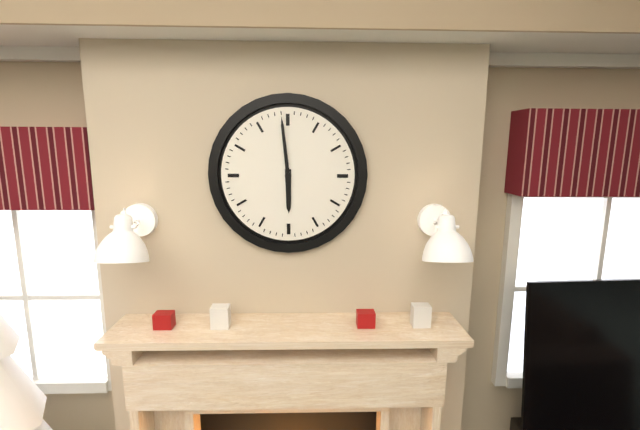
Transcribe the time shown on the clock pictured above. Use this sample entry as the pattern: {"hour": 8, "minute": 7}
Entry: {"hour": 5, "minute": 59}
